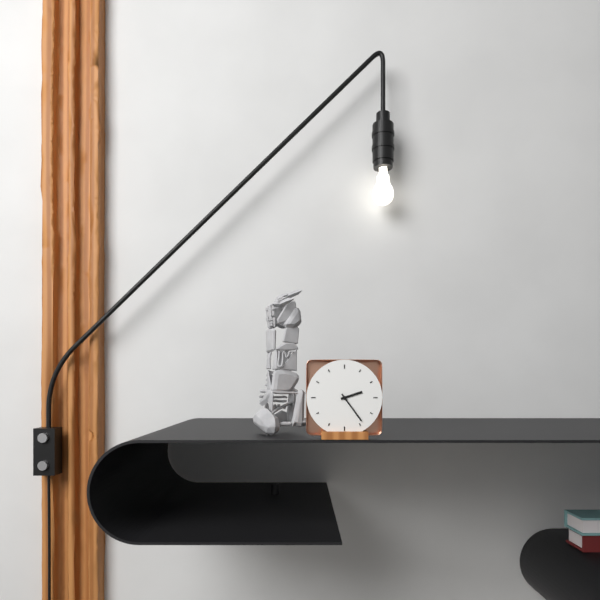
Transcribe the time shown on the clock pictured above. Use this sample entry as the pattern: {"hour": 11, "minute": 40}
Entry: {"hour": 2, "minute": 24}
